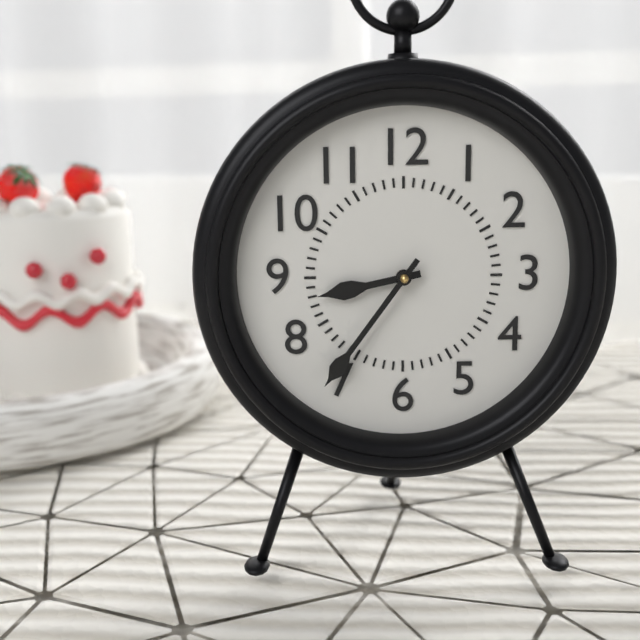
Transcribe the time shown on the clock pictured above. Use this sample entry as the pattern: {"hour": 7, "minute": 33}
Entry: {"hour": 8, "minute": 36}
